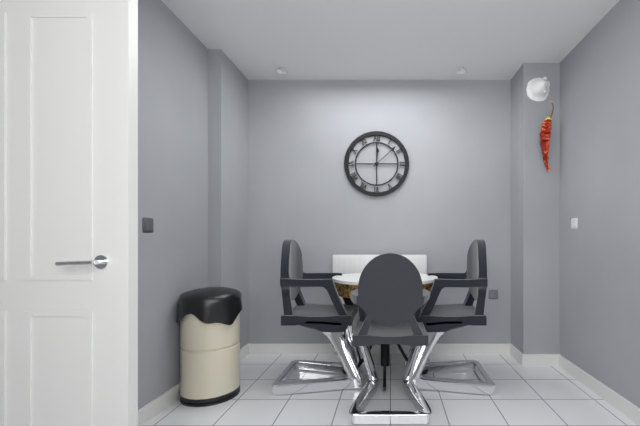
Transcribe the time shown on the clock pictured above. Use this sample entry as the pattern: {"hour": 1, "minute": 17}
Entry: {"hour": 12, "minute": 8}
